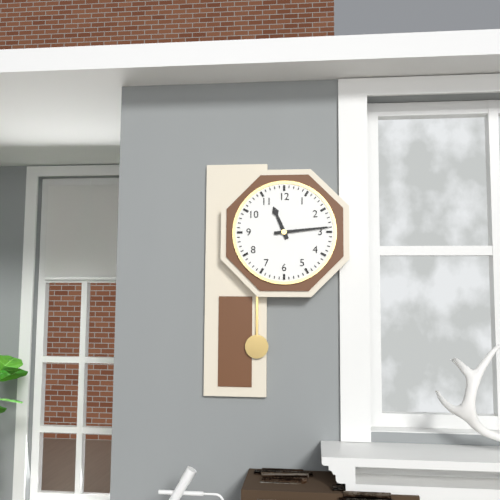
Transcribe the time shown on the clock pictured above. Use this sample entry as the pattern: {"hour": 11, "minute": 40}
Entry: {"hour": 11, "minute": 14}
